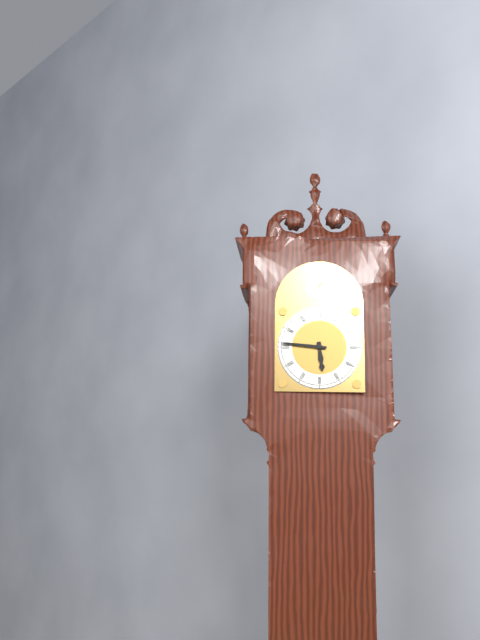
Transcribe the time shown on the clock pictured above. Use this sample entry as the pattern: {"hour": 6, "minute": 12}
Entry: {"hour": 5, "minute": 46}
